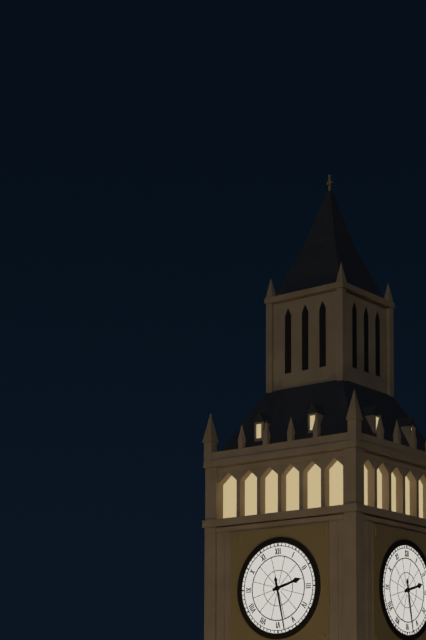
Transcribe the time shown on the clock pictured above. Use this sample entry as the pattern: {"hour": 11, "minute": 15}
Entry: {"hour": 2, "minute": 28}
